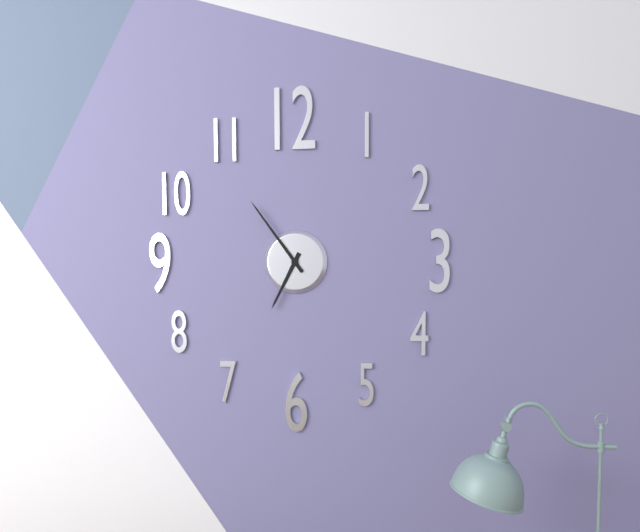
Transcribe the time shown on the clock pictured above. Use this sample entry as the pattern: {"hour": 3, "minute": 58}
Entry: {"hour": 6, "minute": 54}
